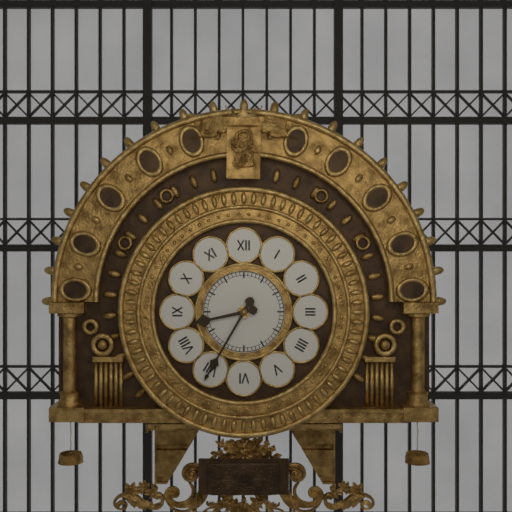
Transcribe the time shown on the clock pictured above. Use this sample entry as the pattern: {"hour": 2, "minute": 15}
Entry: {"hour": 8, "minute": 35}
